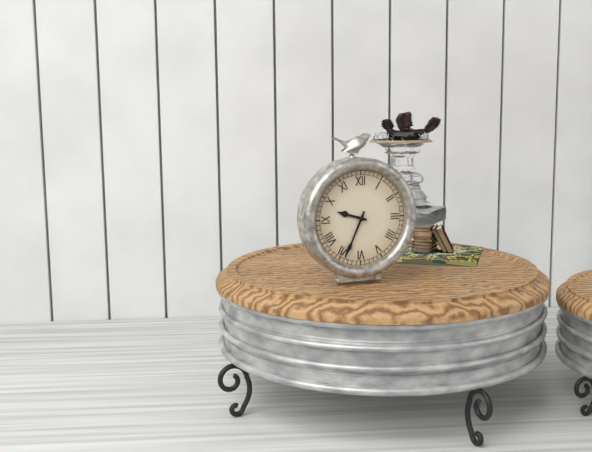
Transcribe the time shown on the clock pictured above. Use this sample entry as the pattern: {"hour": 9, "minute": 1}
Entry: {"hour": 9, "minute": 34}
